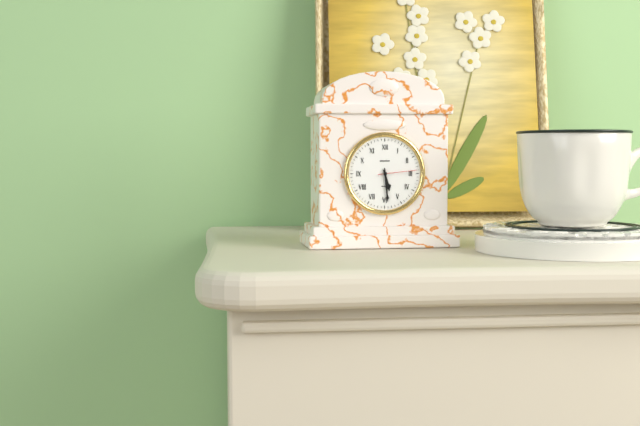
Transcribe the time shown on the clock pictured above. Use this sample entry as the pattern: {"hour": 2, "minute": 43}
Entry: {"hour": 5, "minute": 29}
